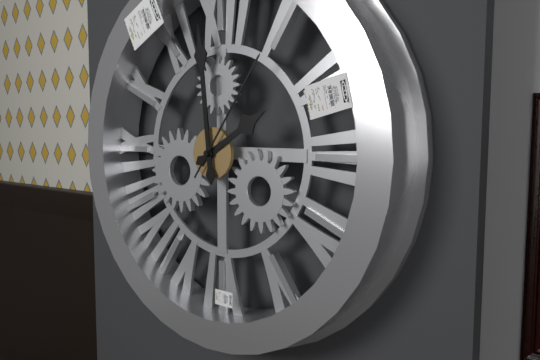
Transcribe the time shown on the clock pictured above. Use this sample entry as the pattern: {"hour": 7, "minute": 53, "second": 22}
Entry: {"hour": 1, "minute": 59, "second": 6}
